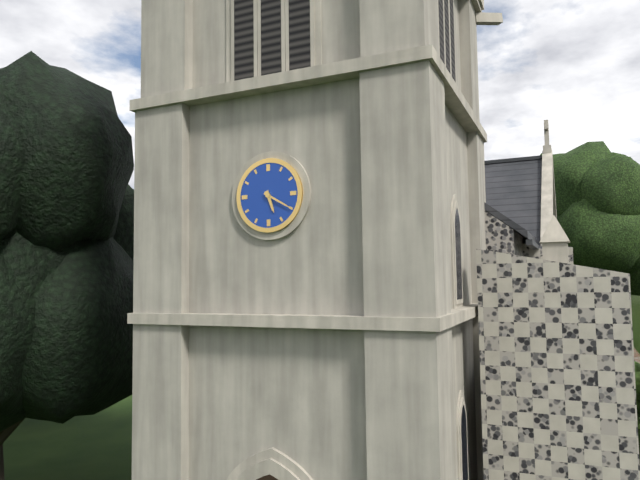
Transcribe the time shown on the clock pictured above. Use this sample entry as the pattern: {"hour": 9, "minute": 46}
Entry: {"hour": 5, "minute": 20}
